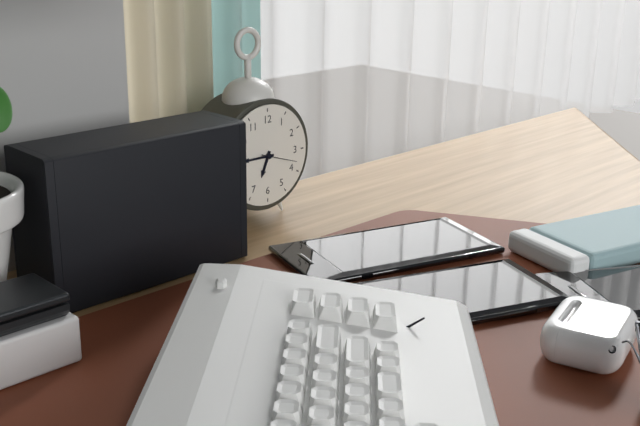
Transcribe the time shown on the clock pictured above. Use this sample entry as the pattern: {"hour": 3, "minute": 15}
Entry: {"hour": 6, "minute": 45}
